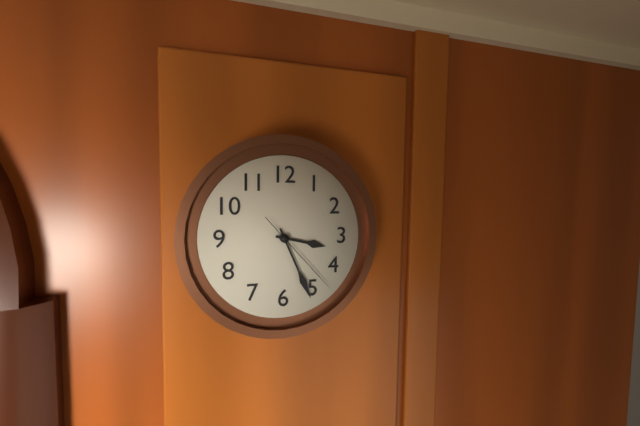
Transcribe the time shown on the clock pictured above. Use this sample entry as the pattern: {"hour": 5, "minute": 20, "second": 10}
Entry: {"hour": 3, "minute": 26, "second": 23}
